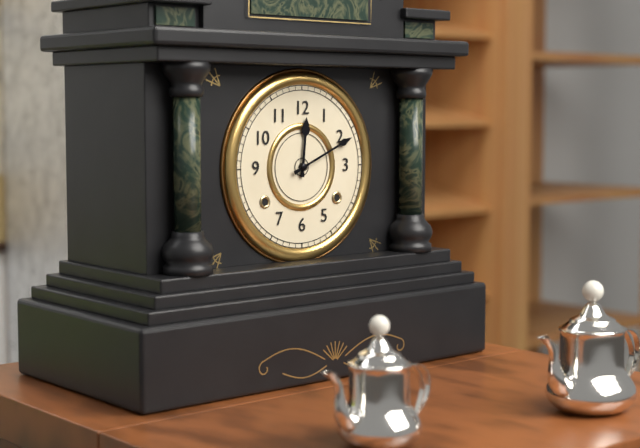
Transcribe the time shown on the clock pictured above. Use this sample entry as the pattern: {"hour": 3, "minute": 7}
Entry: {"hour": 12, "minute": 11}
